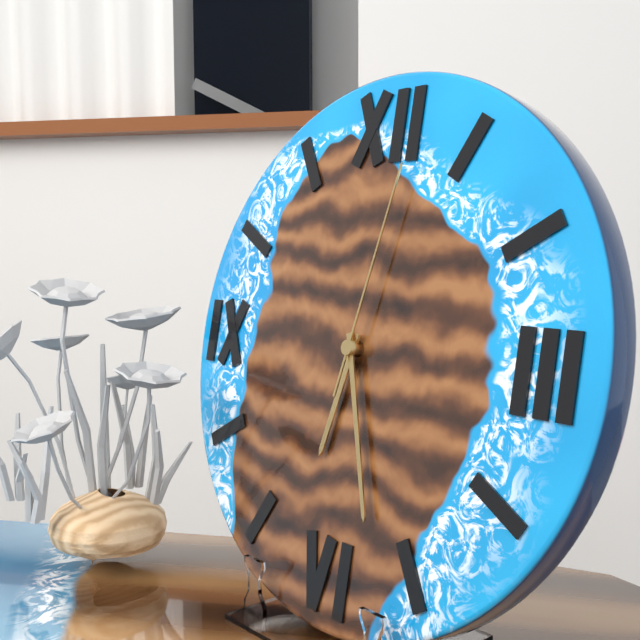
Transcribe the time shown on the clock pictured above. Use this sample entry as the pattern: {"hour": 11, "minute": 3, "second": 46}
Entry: {"hour": 6, "minute": 27, "second": 2}
